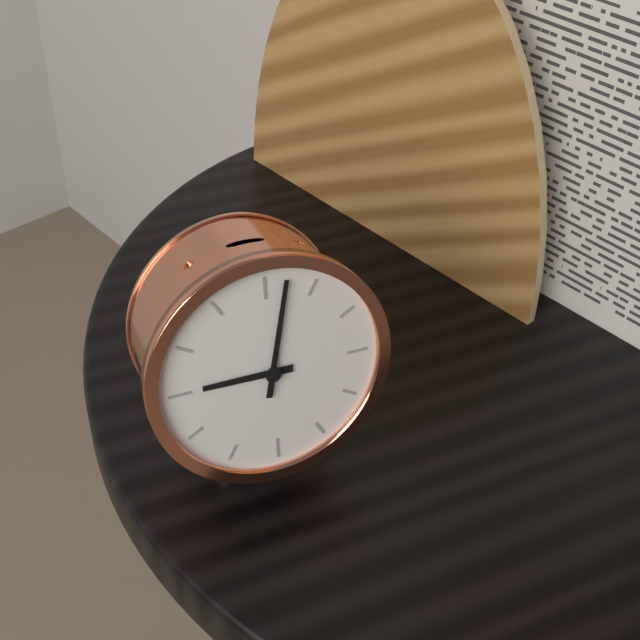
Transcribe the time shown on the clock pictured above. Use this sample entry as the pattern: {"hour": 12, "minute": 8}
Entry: {"hour": 9, "minute": 2}
